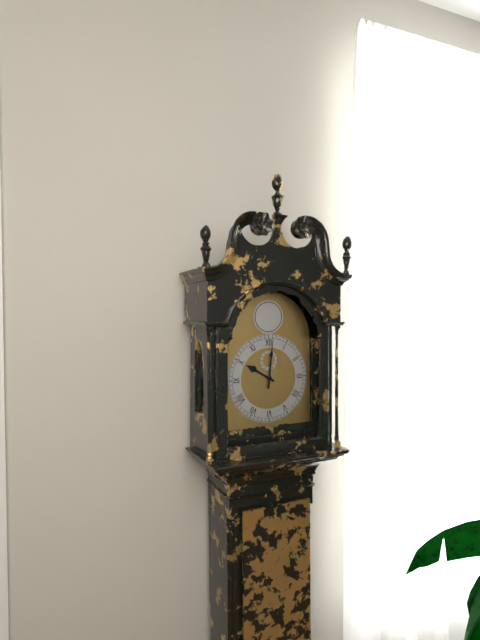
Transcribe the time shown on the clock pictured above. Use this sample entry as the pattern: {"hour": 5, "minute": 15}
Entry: {"hour": 10, "minute": 1}
